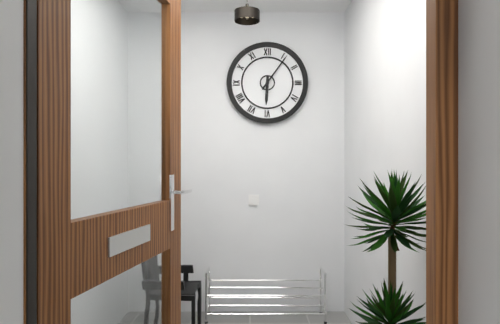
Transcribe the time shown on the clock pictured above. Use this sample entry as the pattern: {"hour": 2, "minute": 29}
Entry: {"hour": 6, "minute": 6}
